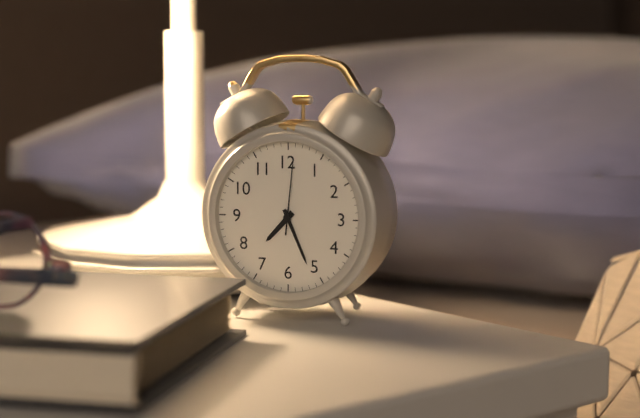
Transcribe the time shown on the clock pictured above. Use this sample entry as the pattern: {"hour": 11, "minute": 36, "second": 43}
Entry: {"hour": 7, "minute": 26, "second": 1}
